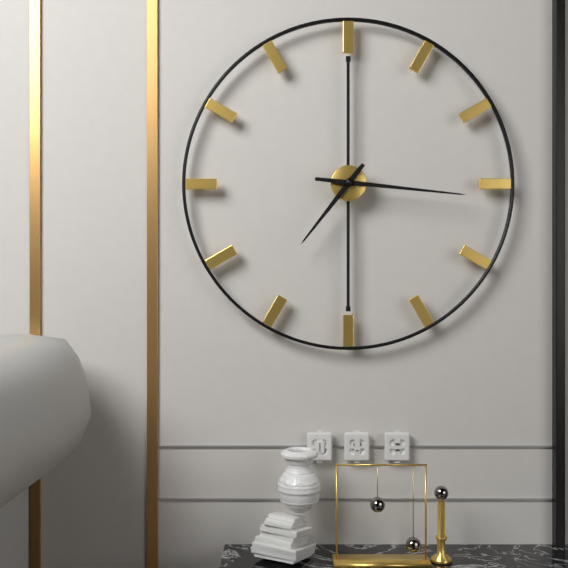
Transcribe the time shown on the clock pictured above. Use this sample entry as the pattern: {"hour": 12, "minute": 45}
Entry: {"hour": 7, "minute": 16}
